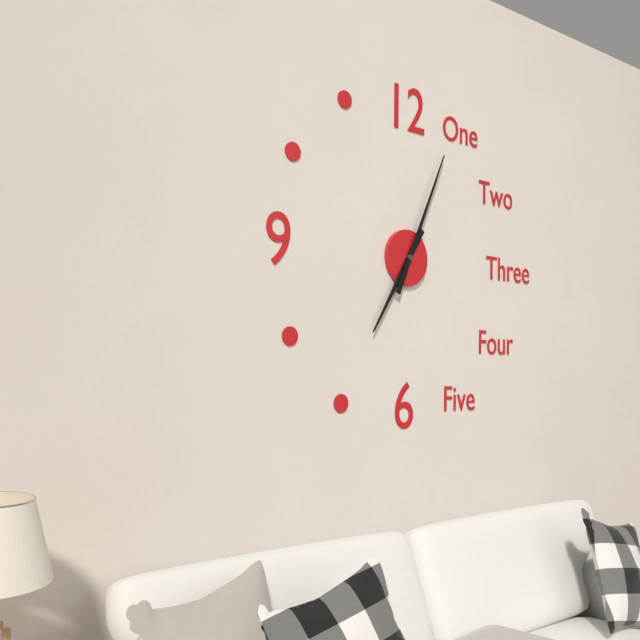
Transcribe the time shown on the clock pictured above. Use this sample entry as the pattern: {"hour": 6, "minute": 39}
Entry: {"hour": 7, "minute": 4}
